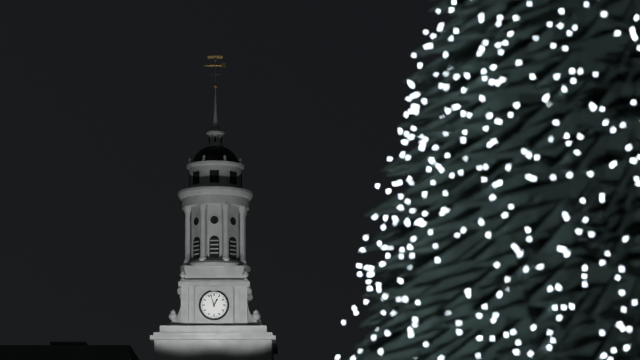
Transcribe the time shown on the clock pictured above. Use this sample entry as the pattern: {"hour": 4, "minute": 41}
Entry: {"hour": 12, "minute": 57}
